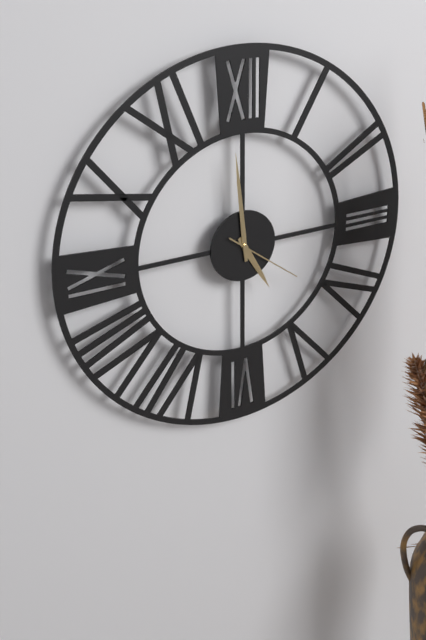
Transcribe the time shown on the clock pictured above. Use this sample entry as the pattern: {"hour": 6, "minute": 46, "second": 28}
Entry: {"hour": 4, "minute": 59, "second": 21}
